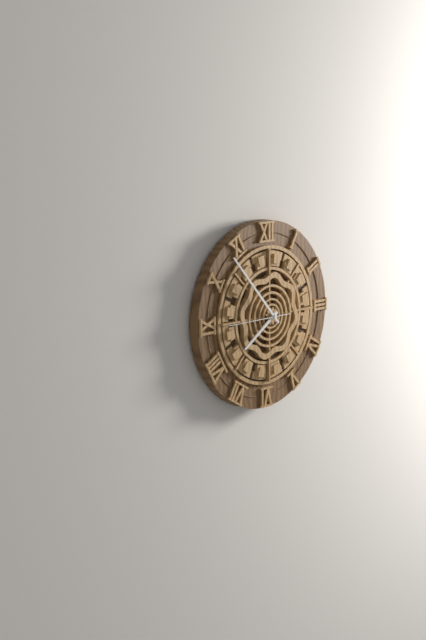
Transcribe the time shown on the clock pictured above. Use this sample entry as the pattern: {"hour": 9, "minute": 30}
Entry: {"hour": 7, "minute": 53}
